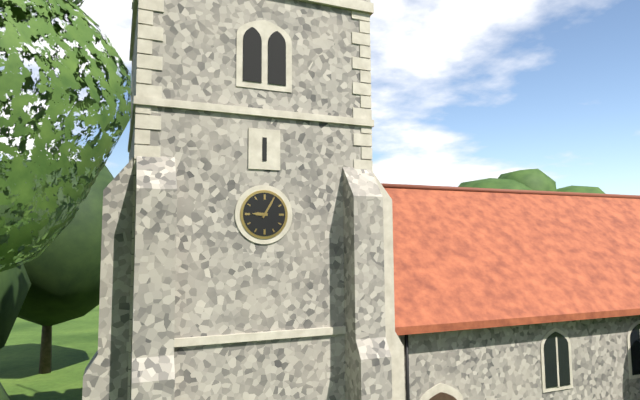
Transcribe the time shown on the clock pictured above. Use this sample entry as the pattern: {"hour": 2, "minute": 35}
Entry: {"hour": 9, "minute": 5}
